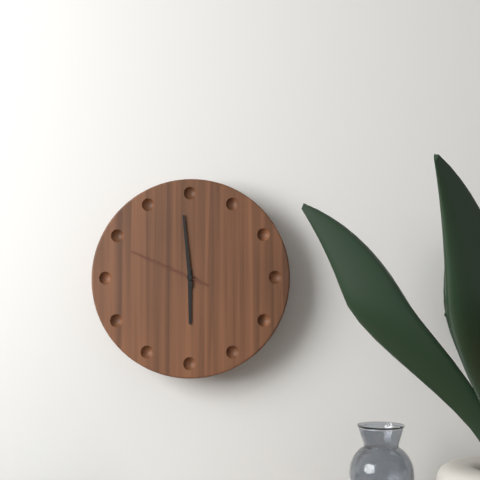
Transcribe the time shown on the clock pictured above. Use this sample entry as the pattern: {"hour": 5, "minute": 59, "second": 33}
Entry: {"hour": 5, "minute": 59, "second": 49}
